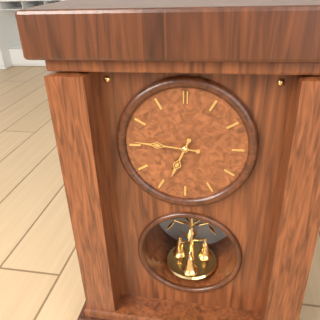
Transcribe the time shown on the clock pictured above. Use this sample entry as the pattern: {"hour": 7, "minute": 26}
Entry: {"hour": 6, "minute": 46}
